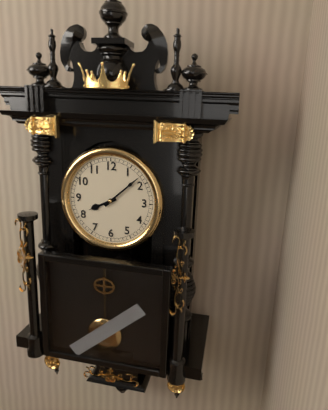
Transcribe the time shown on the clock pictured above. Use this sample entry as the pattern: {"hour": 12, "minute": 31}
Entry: {"hour": 8, "minute": 8}
